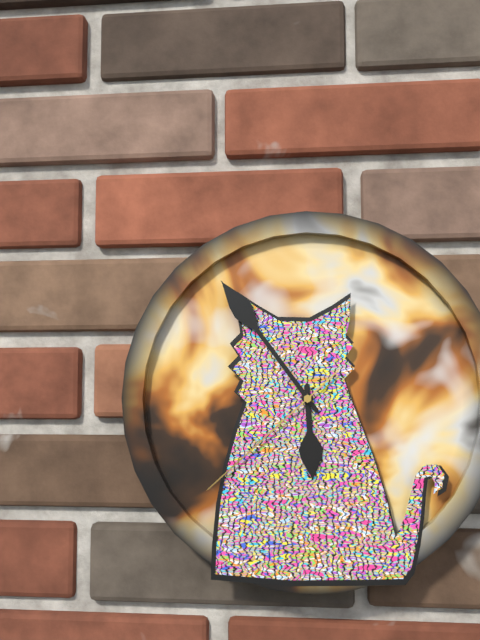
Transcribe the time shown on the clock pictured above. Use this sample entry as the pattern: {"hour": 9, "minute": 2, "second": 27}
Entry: {"hour": 5, "minute": 54, "second": 38}
